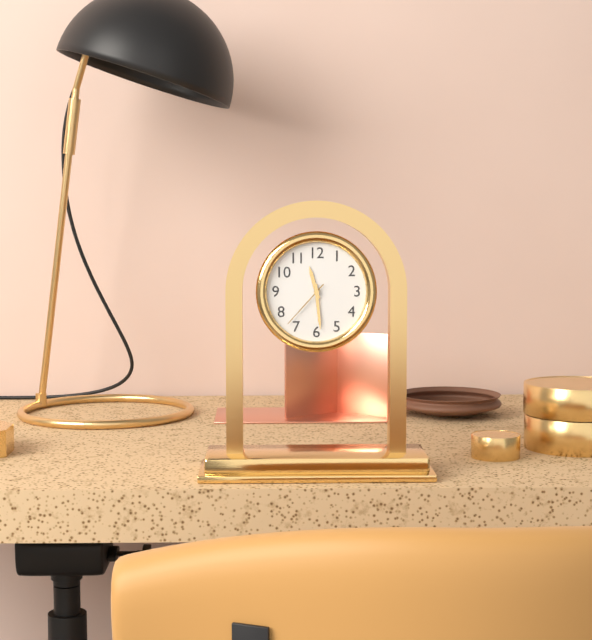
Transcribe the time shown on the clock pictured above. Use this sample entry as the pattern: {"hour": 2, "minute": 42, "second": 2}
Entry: {"hour": 11, "minute": 29, "second": 37}
